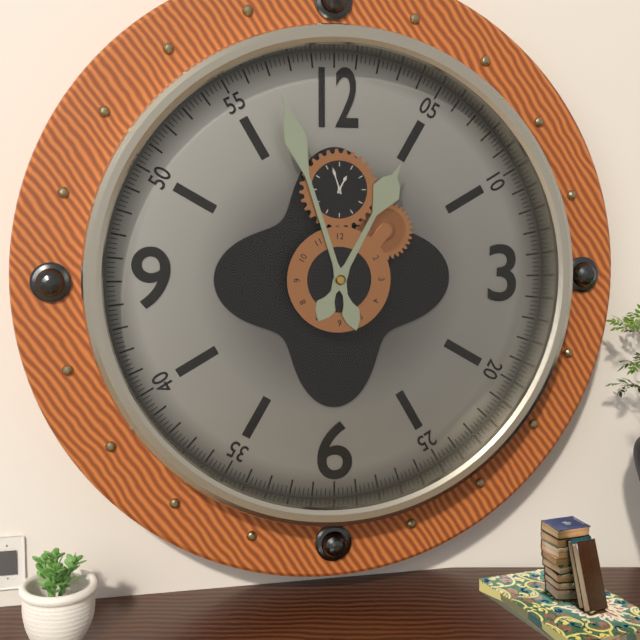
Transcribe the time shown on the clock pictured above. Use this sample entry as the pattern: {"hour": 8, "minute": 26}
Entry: {"hour": 12, "minute": 57}
